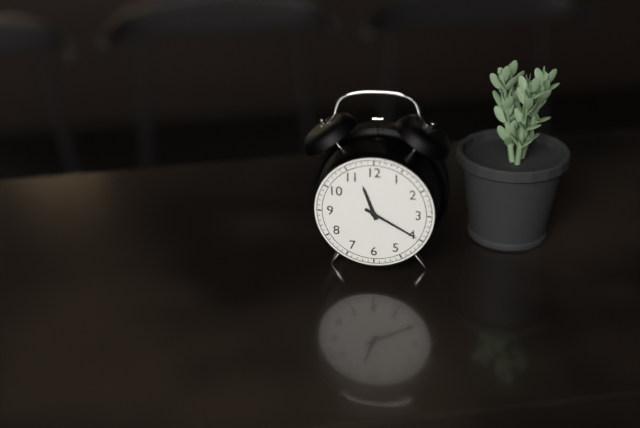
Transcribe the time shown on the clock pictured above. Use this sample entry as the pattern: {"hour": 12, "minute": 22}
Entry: {"hour": 11, "minute": 20}
